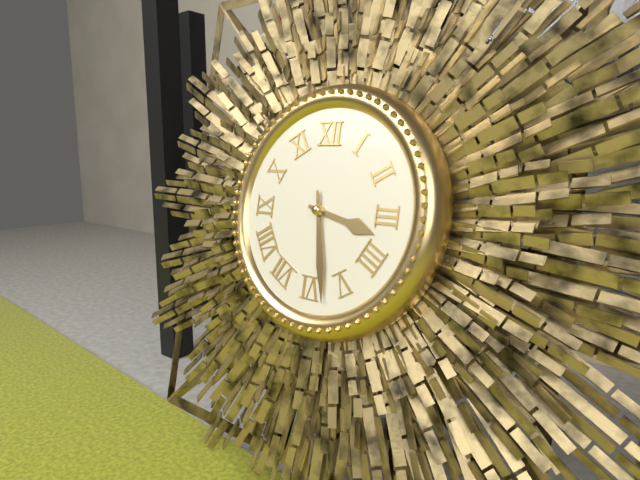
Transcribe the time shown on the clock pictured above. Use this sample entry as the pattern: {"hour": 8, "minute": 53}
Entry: {"hour": 3, "minute": 28}
